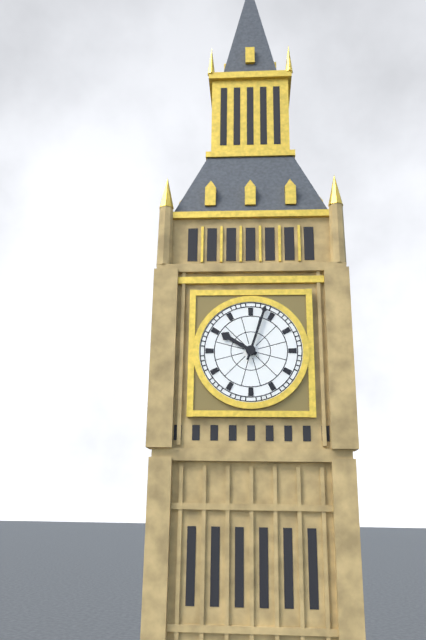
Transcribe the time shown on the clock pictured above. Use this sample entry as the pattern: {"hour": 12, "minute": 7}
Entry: {"hour": 10, "minute": 3}
